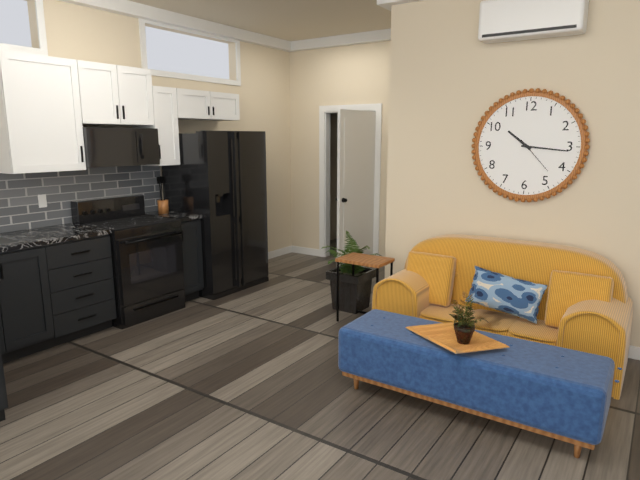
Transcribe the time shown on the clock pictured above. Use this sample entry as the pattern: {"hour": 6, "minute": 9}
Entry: {"hour": 10, "minute": 16}
